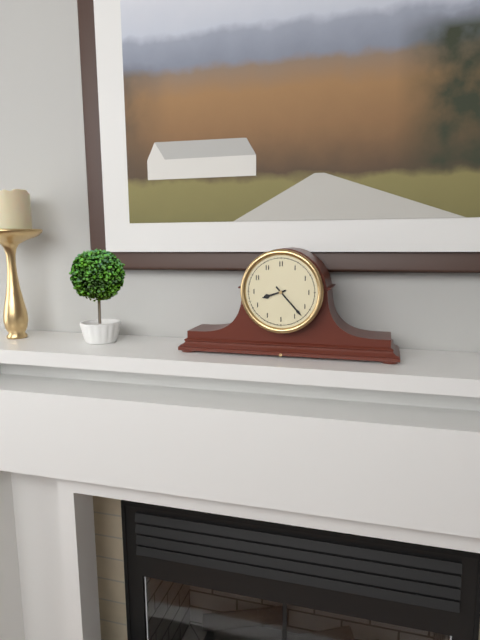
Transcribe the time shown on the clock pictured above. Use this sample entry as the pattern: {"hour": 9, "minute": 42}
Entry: {"hour": 8, "minute": 23}
